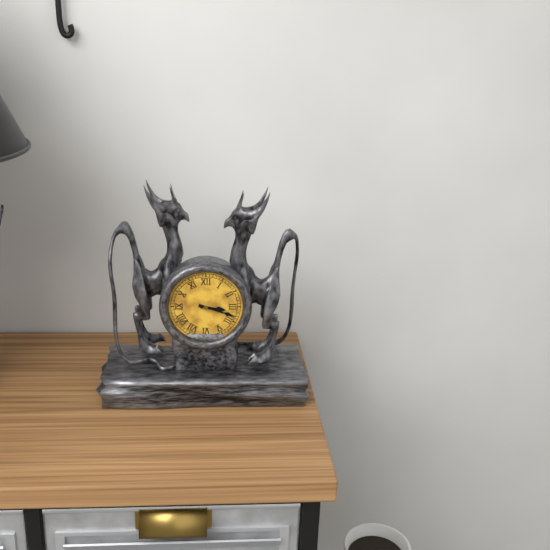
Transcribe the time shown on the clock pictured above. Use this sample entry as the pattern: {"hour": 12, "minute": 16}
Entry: {"hour": 3, "minute": 18}
